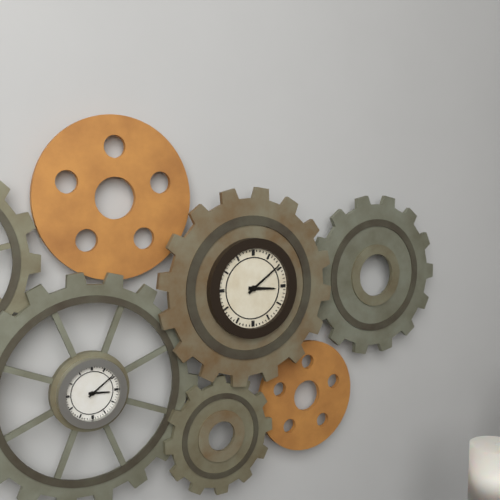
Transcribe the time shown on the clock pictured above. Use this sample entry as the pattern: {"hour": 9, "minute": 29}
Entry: {"hour": 3, "minute": 9}
